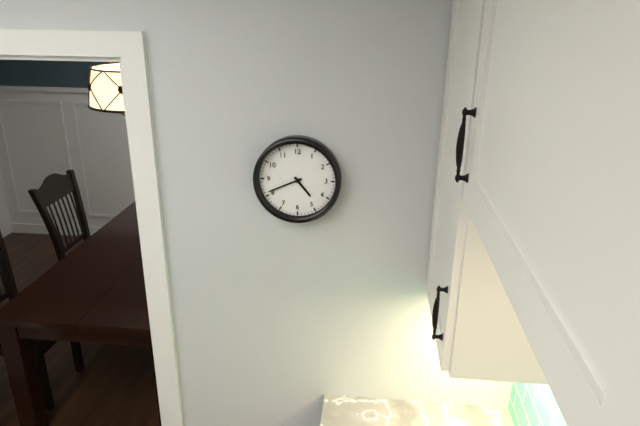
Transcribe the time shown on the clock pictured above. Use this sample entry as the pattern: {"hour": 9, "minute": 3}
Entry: {"hour": 4, "minute": 41}
